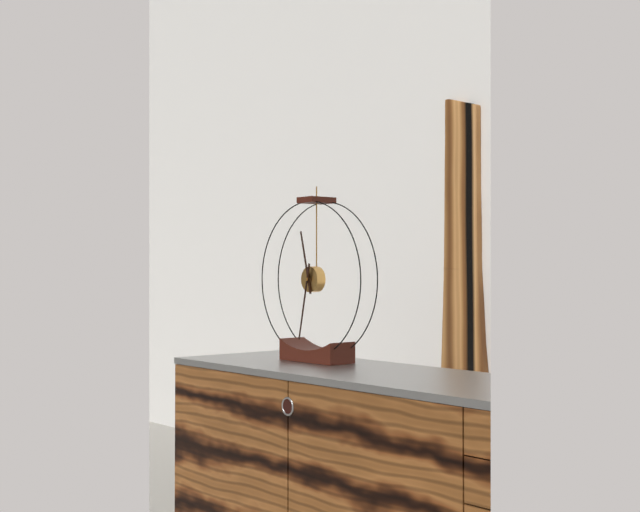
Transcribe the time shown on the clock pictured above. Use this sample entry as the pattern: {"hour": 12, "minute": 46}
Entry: {"hour": 11, "minute": 32}
